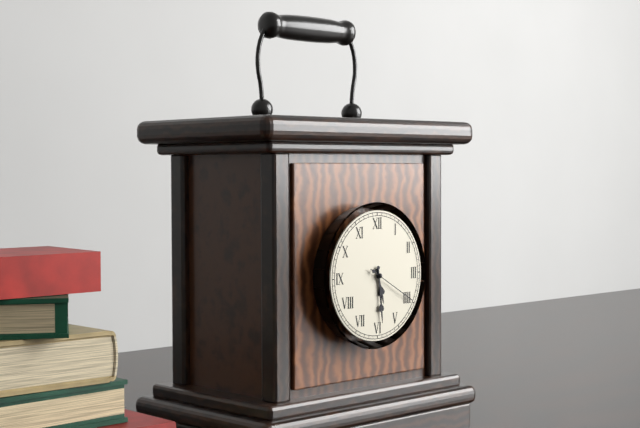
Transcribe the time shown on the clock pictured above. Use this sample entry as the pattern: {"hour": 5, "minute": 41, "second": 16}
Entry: {"hour": 5, "minute": 29, "second": 20}
